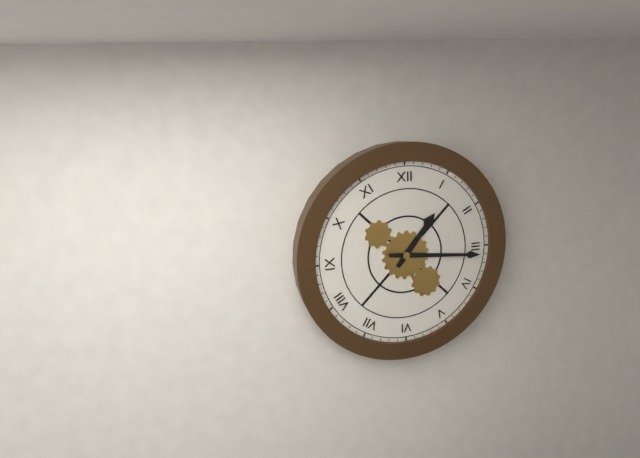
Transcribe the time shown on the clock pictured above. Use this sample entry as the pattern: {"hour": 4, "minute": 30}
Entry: {"hour": 1, "minute": 16}
